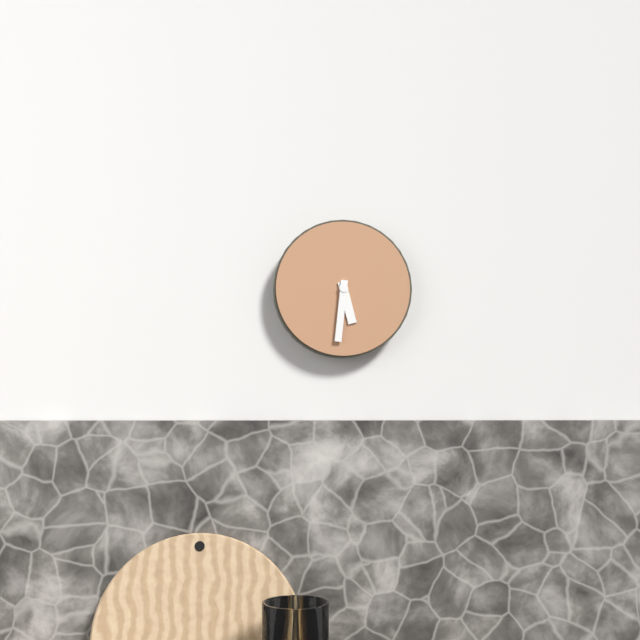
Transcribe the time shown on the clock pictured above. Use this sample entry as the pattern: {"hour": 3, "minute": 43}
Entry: {"hour": 5, "minute": 31}
